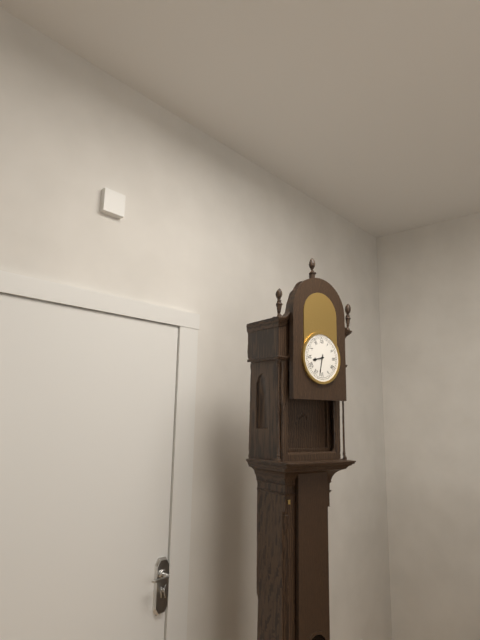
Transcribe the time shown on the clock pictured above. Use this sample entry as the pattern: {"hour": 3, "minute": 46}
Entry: {"hour": 8, "minute": 32}
